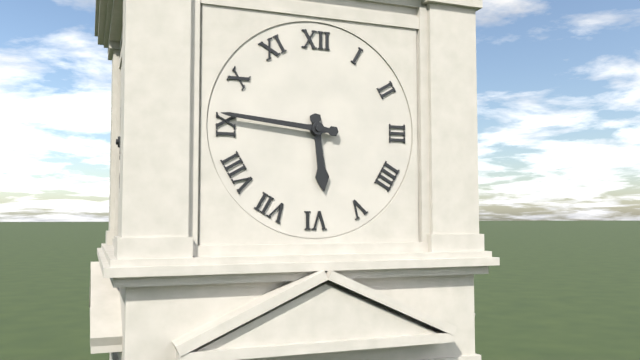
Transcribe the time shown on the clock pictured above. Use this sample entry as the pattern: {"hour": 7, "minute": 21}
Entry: {"hour": 5, "minute": 46}
